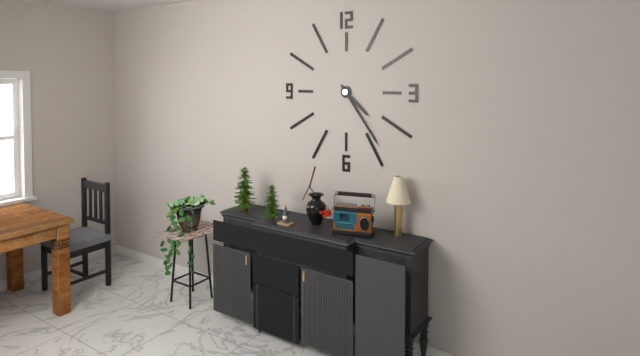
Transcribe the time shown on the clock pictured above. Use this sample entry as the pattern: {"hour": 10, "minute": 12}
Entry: {"hour": 4, "minute": 24}
